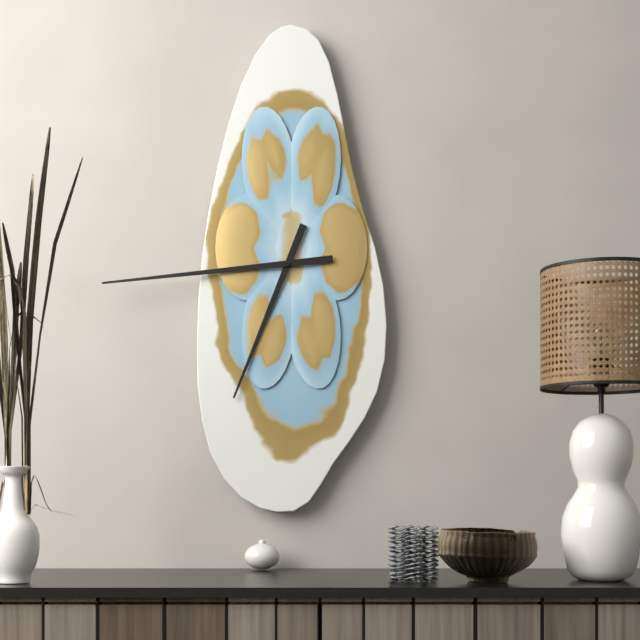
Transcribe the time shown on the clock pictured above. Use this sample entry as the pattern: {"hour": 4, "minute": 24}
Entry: {"hour": 6, "minute": 44}
